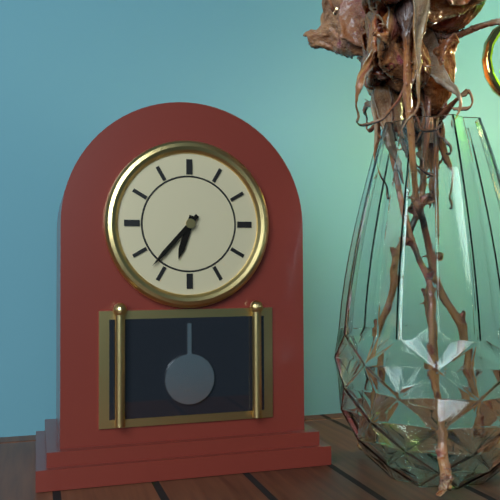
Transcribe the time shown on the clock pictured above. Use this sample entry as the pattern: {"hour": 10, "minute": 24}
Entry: {"hour": 6, "minute": 37}
